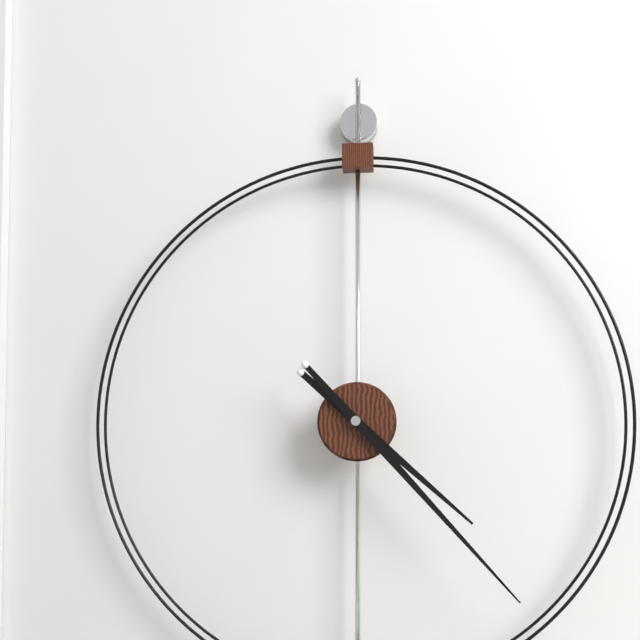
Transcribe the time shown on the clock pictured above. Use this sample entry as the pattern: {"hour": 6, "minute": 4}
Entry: {"hour": 4, "minute": 23}
